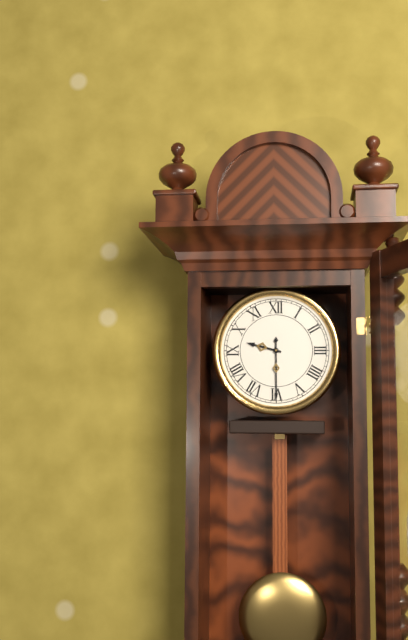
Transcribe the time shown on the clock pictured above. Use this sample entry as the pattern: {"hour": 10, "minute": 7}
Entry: {"hour": 9, "minute": 30}
